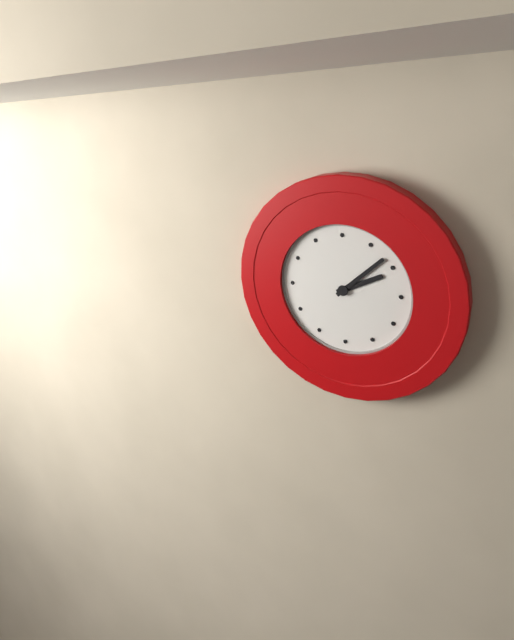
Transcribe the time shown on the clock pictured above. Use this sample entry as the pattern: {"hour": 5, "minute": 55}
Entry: {"hour": 2, "minute": 8}
